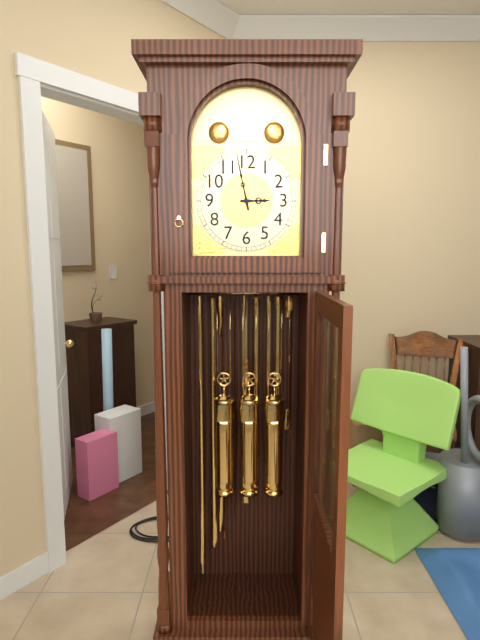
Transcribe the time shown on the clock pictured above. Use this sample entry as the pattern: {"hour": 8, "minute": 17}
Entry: {"hour": 2, "minute": 58}
